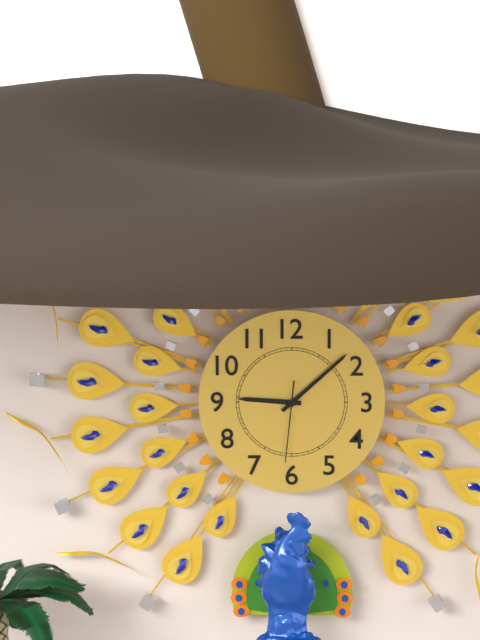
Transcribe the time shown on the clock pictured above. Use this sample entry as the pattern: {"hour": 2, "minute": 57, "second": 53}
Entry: {"hour": 9, "minute": 8, "second": 31}
